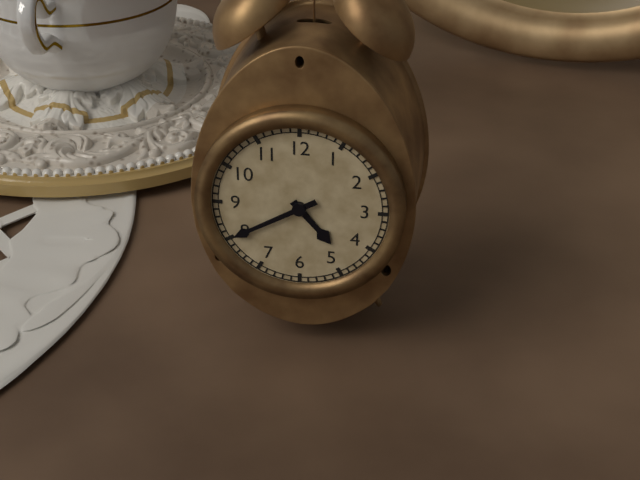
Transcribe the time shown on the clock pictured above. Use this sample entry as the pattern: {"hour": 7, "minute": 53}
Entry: {"hour": 4, "minute": 40}
